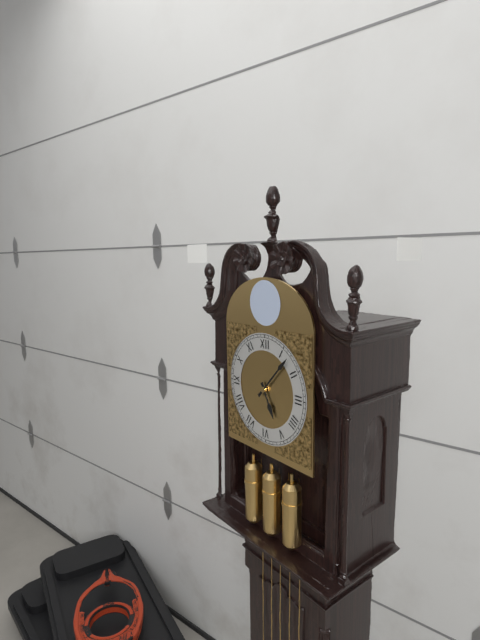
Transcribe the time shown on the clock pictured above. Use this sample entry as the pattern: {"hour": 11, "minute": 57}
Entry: {"hour": 5, "minute": 7}
